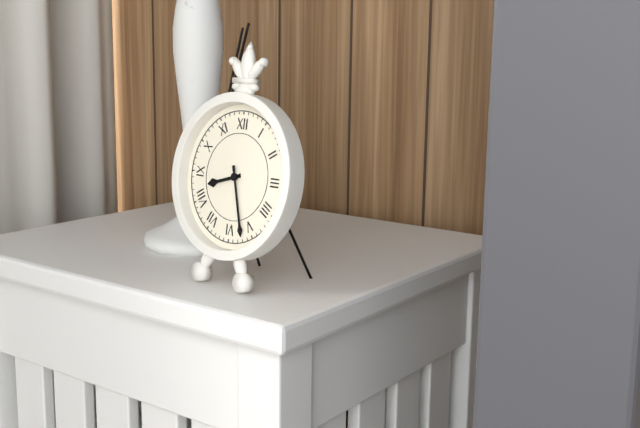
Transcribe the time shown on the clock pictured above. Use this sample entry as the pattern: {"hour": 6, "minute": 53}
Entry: {"hour": 8, "minute": 27}
